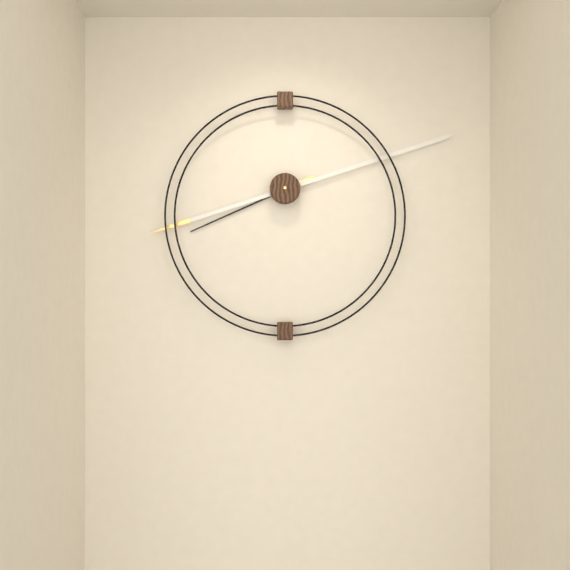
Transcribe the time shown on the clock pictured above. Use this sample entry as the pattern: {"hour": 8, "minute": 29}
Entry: {"hour": 8, "minute": 12}
